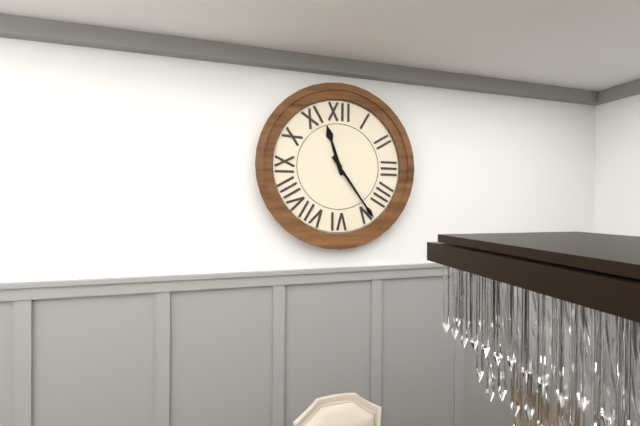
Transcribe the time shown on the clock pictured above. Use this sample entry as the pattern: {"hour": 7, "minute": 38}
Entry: {"hour": 11, "minute": 24}
